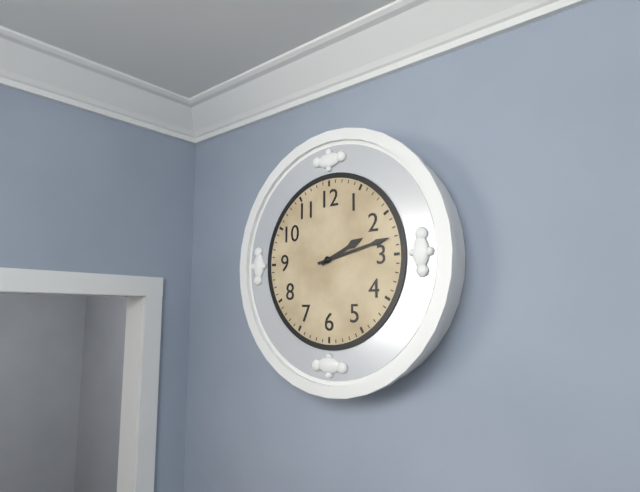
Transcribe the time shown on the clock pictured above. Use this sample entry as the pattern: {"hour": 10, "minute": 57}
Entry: {"hour": 2, "minute": 13}
